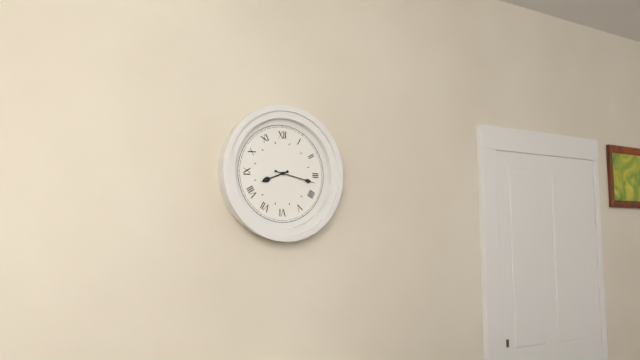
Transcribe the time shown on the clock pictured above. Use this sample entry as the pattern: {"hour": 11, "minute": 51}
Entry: {"hour": 8, "minute": 17}
